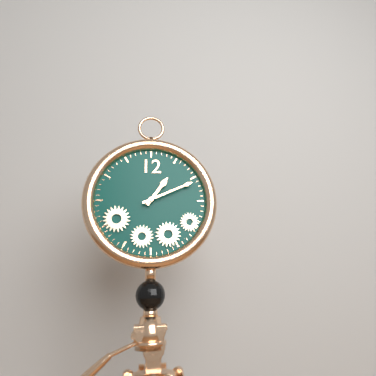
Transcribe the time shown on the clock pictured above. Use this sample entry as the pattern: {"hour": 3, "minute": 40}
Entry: {"hour": 1, "minute": 11}
